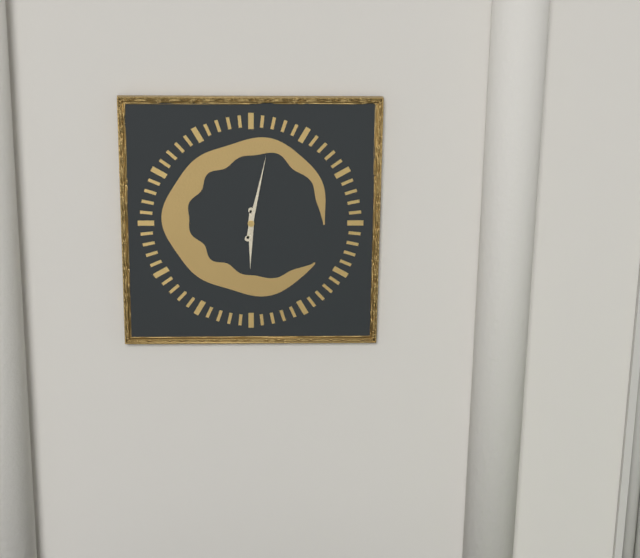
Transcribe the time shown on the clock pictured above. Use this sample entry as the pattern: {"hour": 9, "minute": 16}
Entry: {"hour": 6, "minute": 2}
